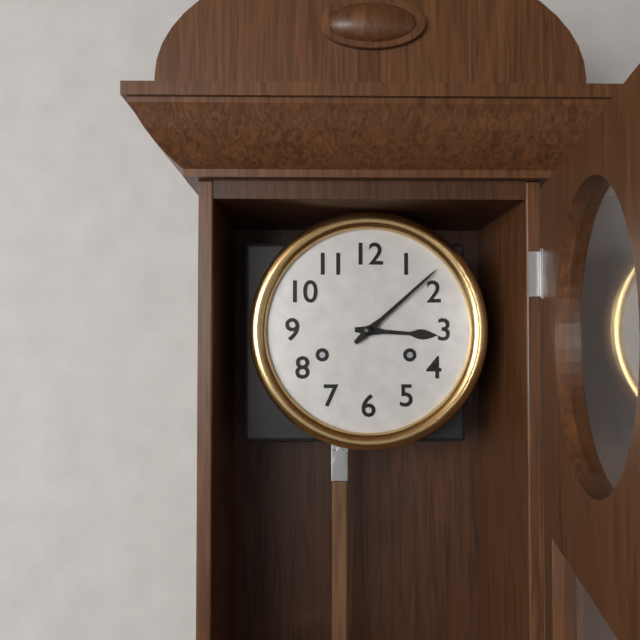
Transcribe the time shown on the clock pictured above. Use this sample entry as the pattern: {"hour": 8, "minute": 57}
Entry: {"hour": 3, "minute": 8}
